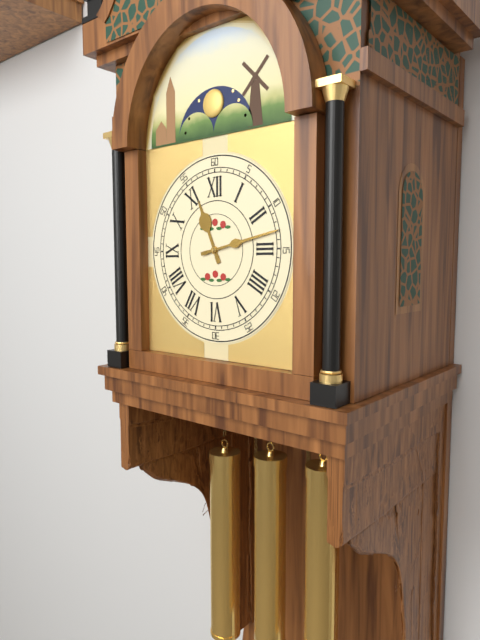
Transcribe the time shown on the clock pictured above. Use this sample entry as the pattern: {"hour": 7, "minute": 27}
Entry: {"hour": 11, "minute": 13}
